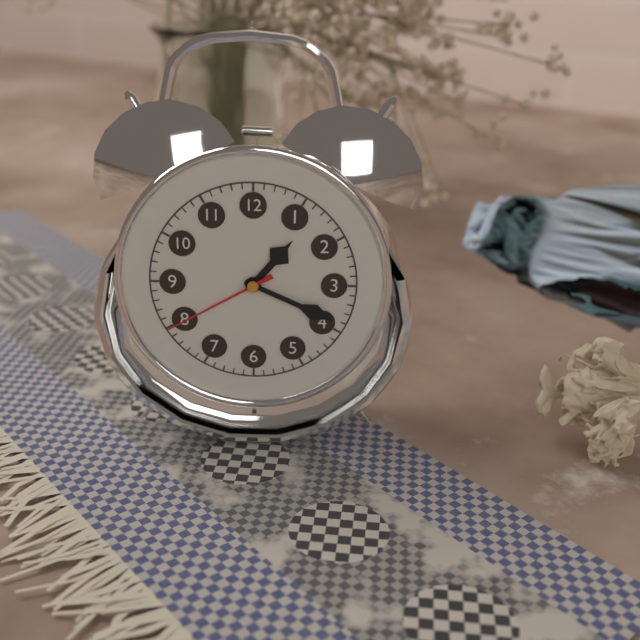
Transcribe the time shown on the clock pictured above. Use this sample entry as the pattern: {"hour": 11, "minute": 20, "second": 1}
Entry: {"hour": 1, "minute": 19, "second": 40}
